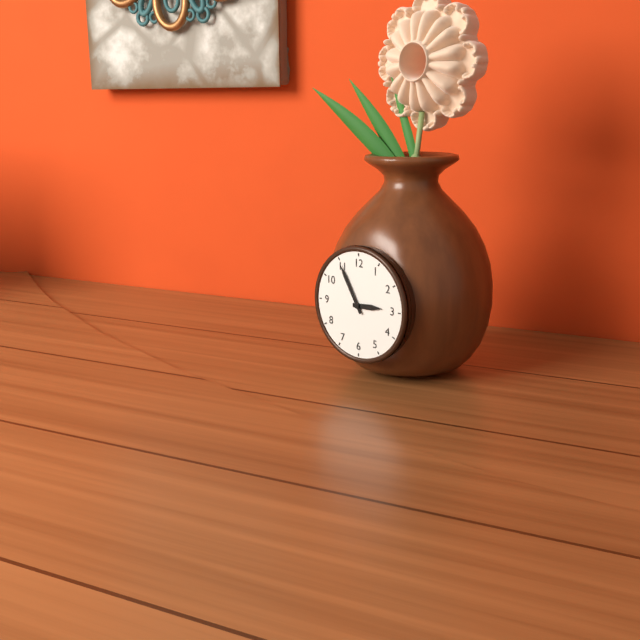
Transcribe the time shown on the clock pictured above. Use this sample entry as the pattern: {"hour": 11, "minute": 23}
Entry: {"hour": 2, "minute": 55}
